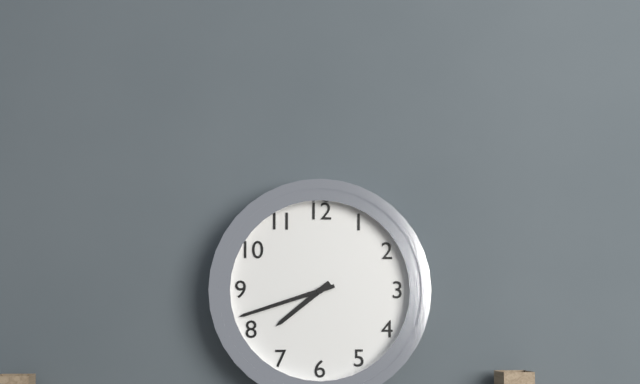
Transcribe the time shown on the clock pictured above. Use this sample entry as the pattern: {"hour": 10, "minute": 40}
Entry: {"hour": 7, "minute": 42}
